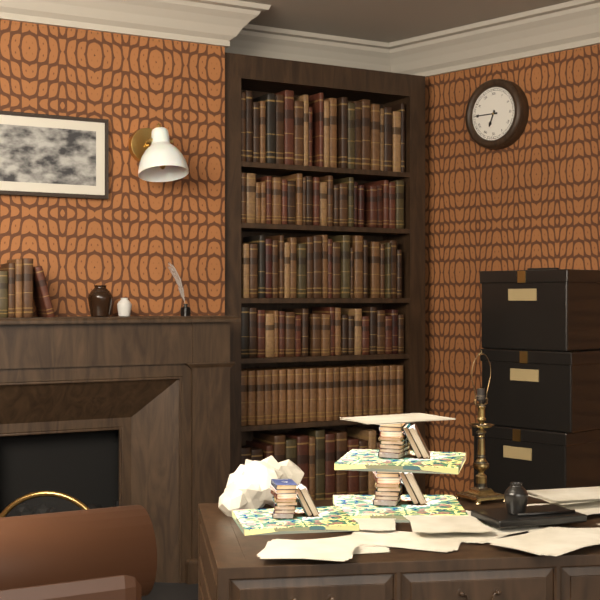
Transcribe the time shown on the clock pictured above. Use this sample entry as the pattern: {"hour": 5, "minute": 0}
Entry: {"hour": 6, "minute": 45}
